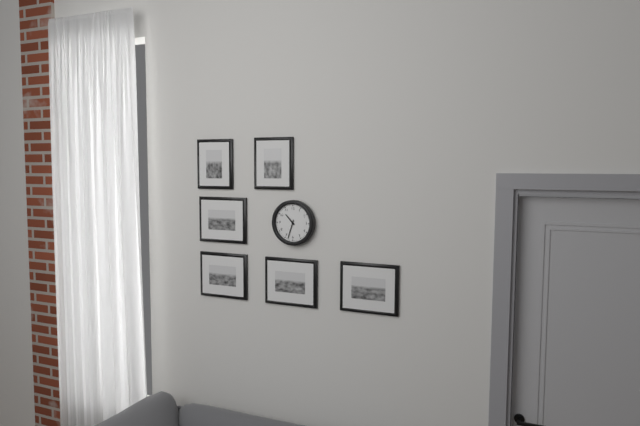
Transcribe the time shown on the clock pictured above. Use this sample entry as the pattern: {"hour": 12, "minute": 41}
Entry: {"hour": 10, "minute": 33}
